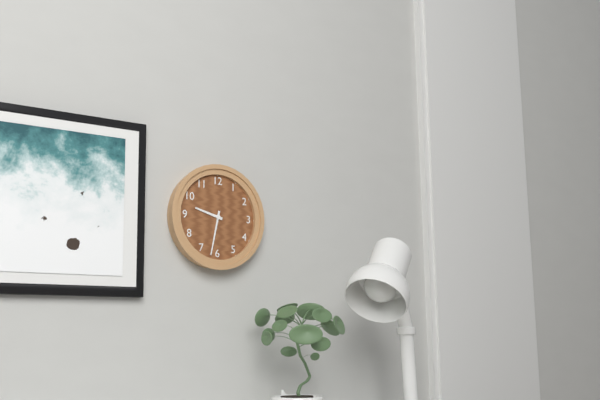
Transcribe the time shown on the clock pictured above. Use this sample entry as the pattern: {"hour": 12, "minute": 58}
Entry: {"hour": 9, "minute": 32}
